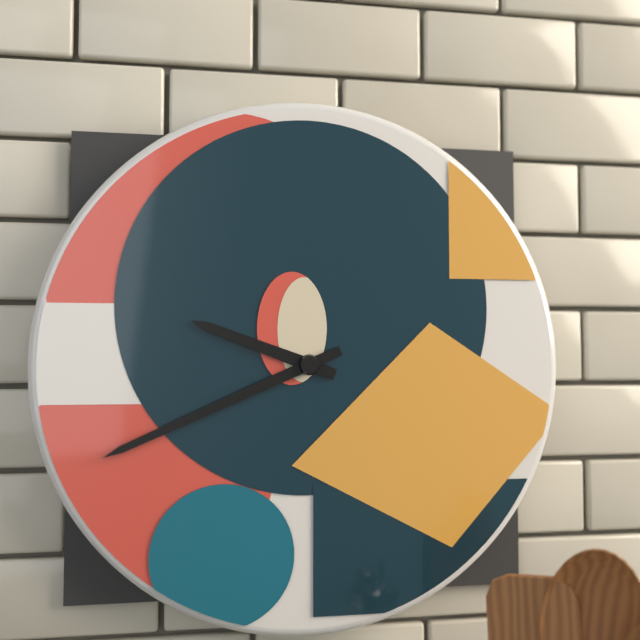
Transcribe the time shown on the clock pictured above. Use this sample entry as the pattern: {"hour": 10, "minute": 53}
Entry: {"hour": 9, "minute": 41}
